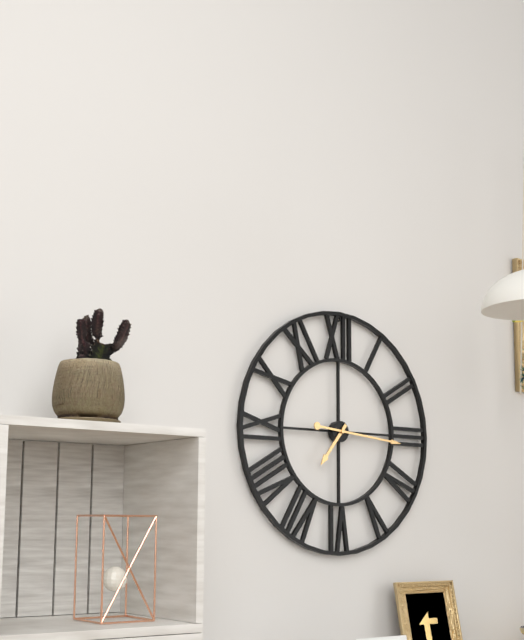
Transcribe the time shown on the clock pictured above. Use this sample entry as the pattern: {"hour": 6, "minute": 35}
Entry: {"hour": 7, "minute": 16}
